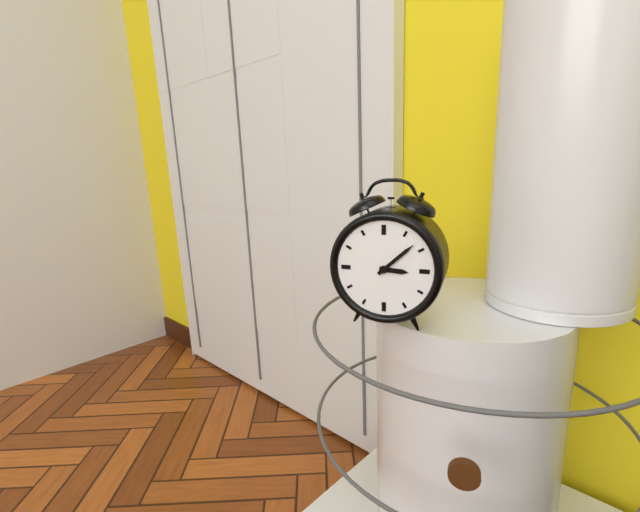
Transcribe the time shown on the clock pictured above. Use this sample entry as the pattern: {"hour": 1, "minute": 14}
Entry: {"hour": 3, "minute": 8}
